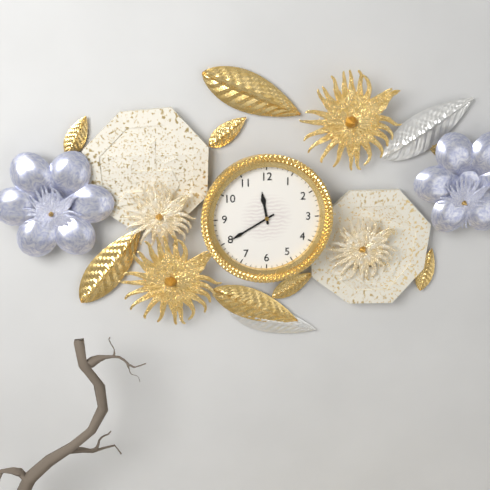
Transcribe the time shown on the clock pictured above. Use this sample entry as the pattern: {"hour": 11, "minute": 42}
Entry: {"hour": 11, "minute": 40}
